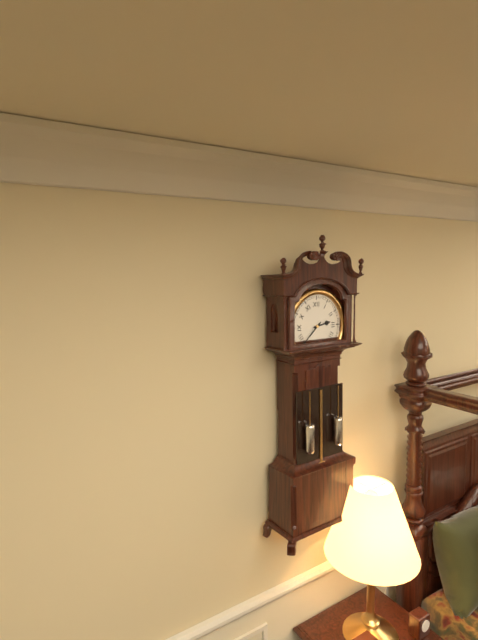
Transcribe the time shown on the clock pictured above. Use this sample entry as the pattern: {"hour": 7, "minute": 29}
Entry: {"hour": 2, "minute": 38}
